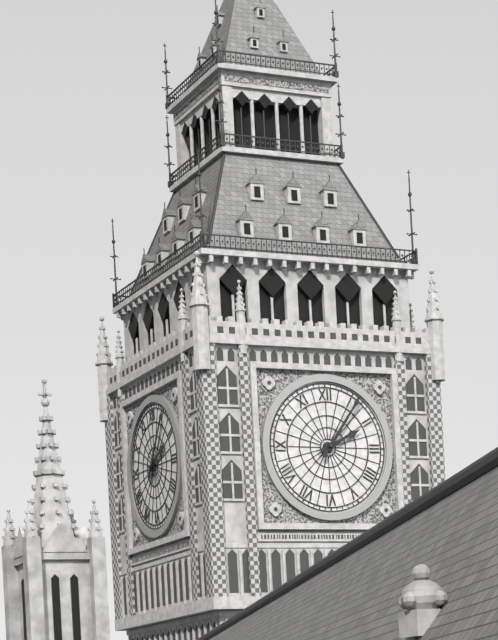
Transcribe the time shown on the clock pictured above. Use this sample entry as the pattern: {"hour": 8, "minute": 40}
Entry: {"hour": 2, "minute": 6}
